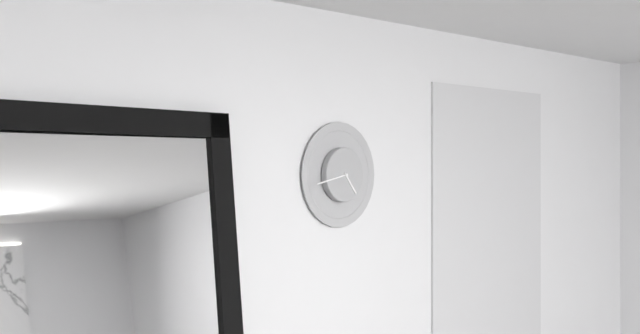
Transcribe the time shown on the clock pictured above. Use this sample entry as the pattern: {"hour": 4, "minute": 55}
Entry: {"hour": 4, "minute": 43}
